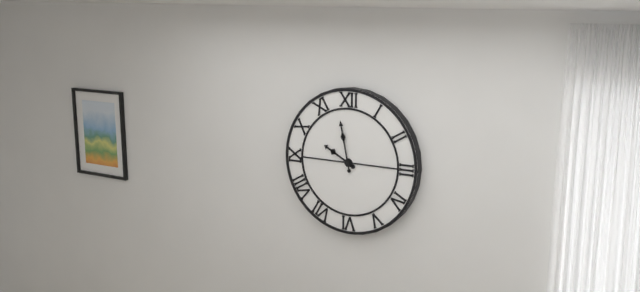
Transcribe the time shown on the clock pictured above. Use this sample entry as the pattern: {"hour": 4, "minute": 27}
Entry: {"hour": 9, "minute": 58}
